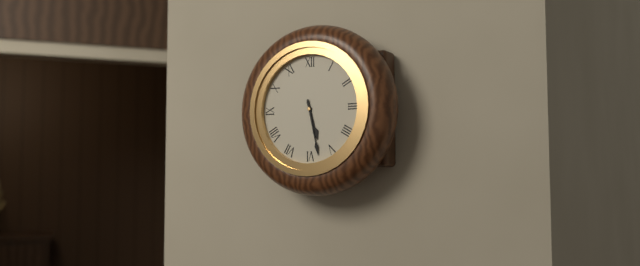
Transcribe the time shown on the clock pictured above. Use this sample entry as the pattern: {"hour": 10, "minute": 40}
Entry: {"hour": 5, "minute": 28}
